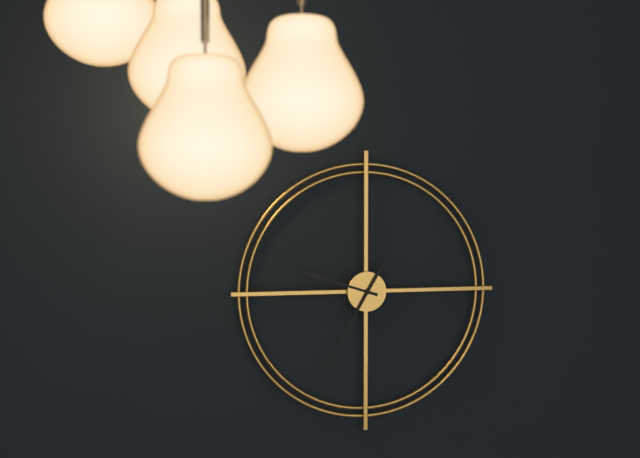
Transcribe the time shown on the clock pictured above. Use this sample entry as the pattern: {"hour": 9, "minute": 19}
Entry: {"hour": 9, "minute": 35}
